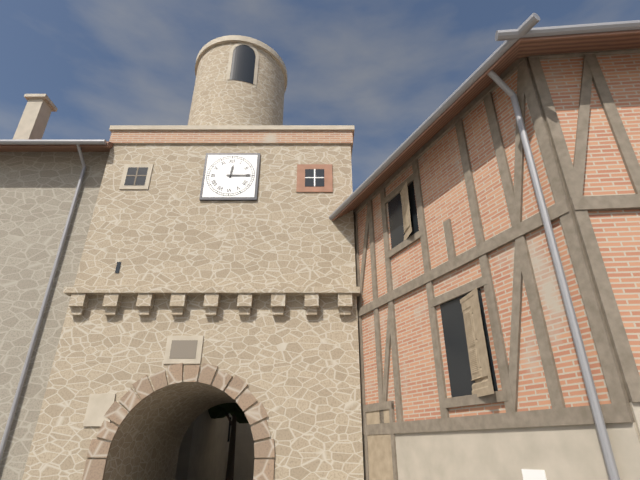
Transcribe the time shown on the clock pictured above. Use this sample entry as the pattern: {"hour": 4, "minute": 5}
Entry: {"hour": 12, "minute": 15}
